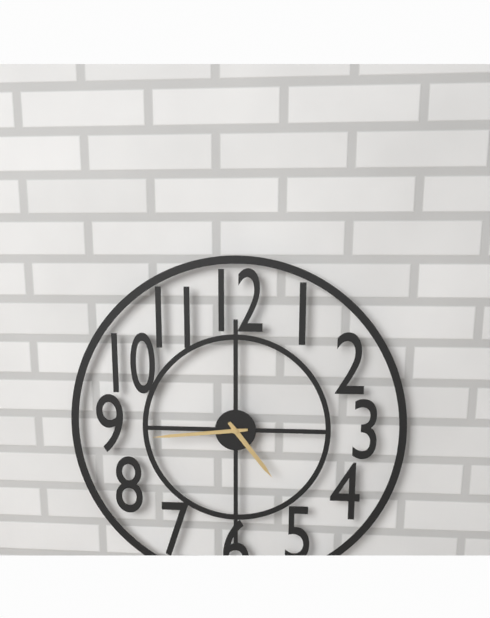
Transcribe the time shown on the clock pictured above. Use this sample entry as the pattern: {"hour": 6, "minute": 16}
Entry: {"hour": 4, "minute": 44}
